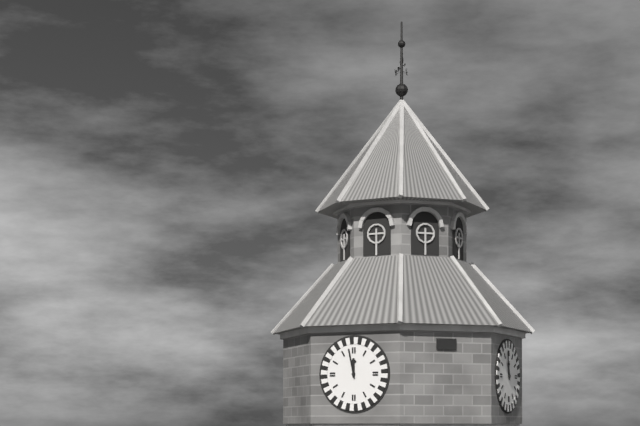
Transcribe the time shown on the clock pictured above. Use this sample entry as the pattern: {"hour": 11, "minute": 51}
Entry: {"hour": 11, "minute": 58}
